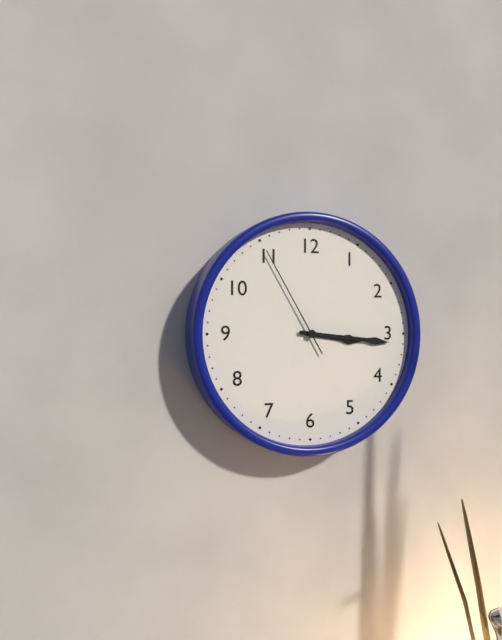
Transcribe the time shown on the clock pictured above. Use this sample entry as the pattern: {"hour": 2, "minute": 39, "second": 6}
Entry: {"hour": 3, "minute": 16, "second": 55}
